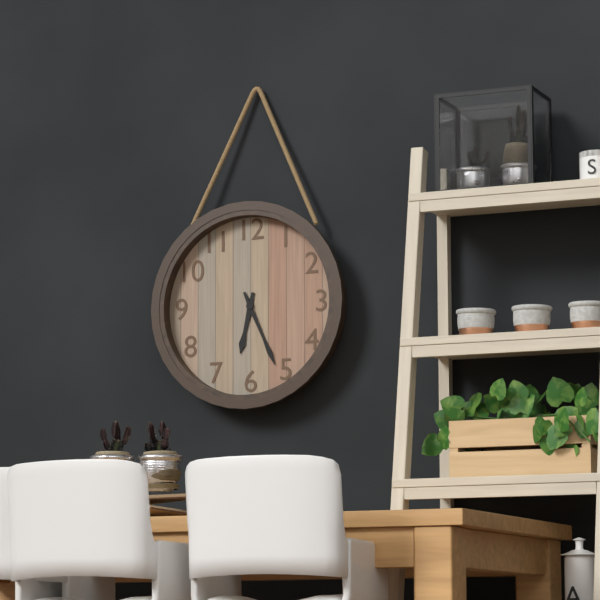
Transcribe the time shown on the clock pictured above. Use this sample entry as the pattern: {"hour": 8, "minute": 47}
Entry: {"hour": 6, "minute": 26}
